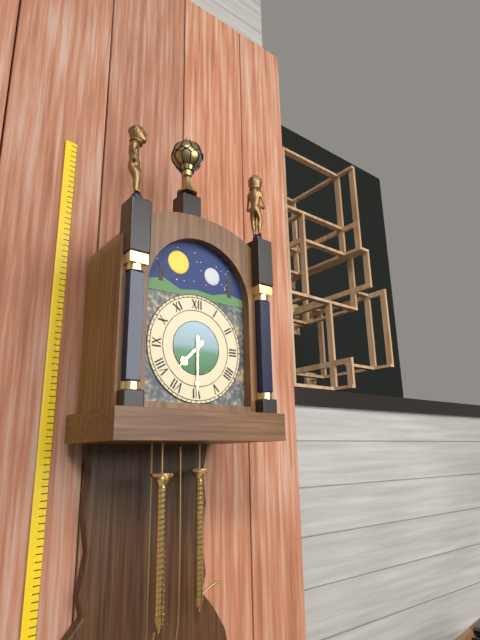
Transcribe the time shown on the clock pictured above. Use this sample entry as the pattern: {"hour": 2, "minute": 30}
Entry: {"hour": 7, "minute": 30}
